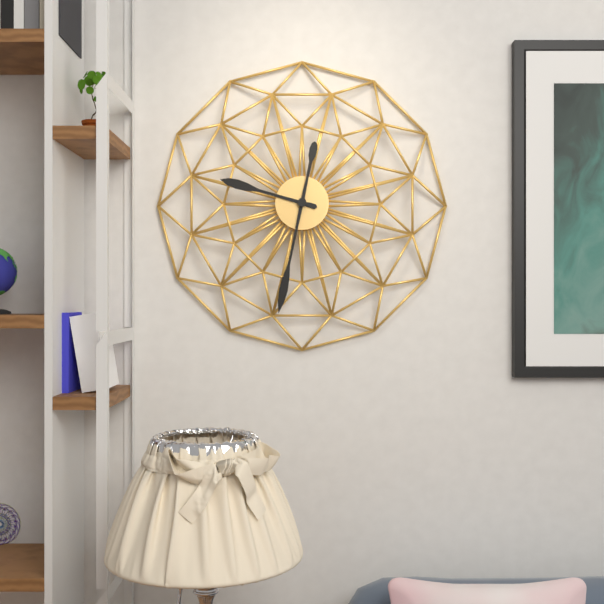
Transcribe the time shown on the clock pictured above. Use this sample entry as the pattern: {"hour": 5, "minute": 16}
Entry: {"hour": 9, "minute": 32}
